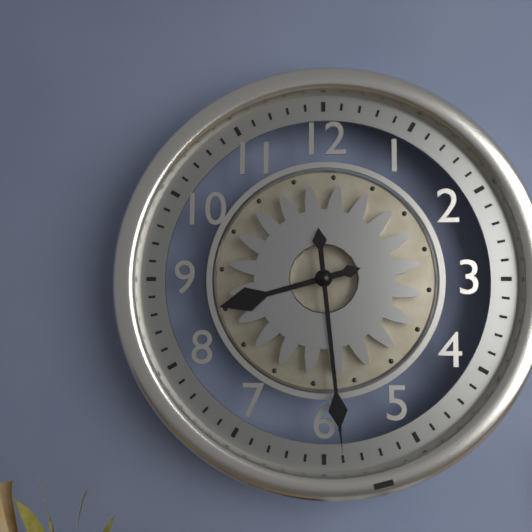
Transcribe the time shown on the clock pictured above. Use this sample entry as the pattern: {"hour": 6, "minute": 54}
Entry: {"hour": 8, "minute": 29}
